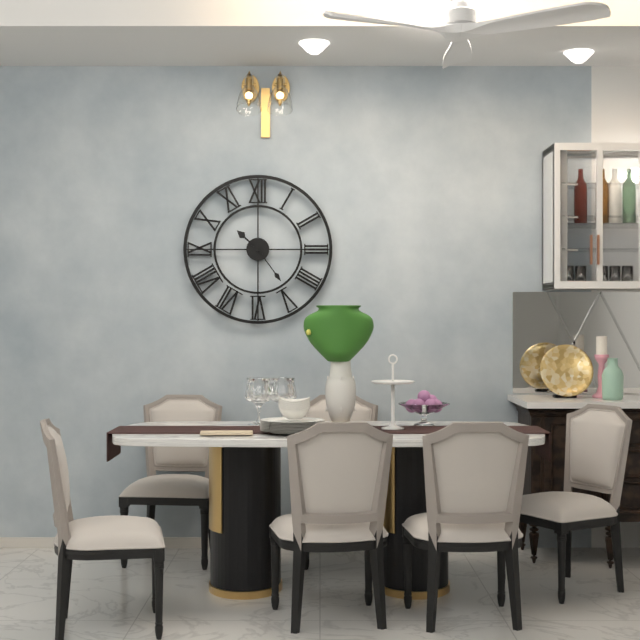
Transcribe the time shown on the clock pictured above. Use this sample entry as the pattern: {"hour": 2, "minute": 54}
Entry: {"hour": 10, "minute": 24}
